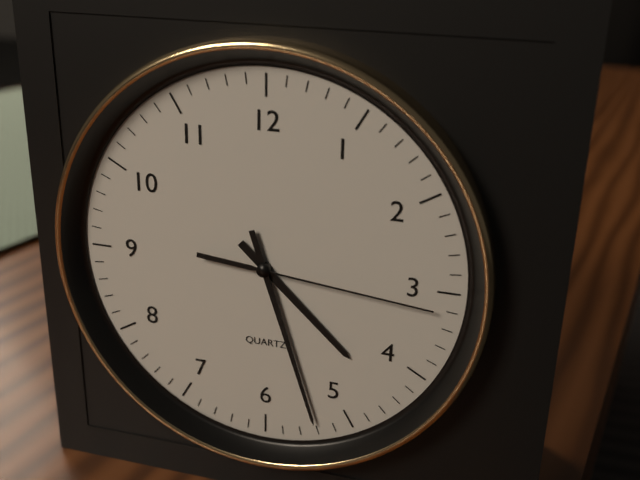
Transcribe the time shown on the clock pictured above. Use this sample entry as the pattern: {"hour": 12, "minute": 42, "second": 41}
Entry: {"hour": 4, "minute": 27, "second": 16}
